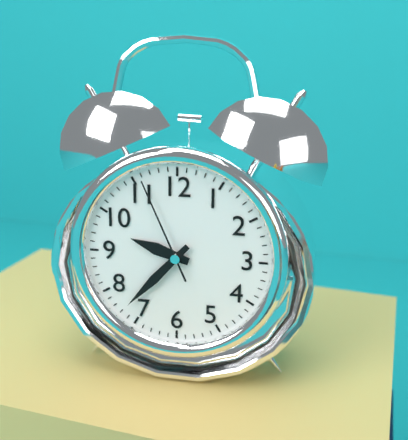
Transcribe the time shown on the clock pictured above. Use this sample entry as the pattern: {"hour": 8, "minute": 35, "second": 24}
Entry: {"hour": 9, "minute": 37, "second": 56}
